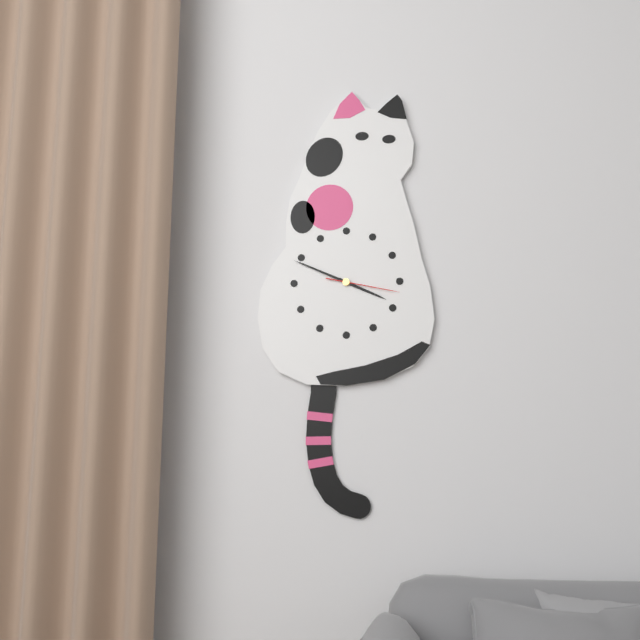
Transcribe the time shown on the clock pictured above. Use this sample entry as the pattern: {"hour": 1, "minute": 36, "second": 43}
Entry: {"hour": 3, "minute": 49, "second": 17}
